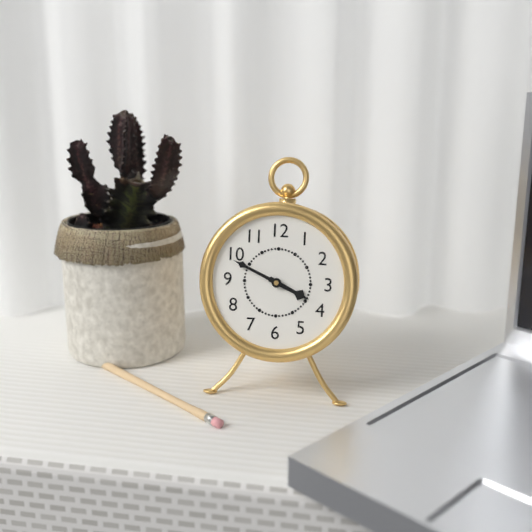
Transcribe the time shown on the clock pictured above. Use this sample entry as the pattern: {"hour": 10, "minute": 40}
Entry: {"hour": 3, "minute": 49}
